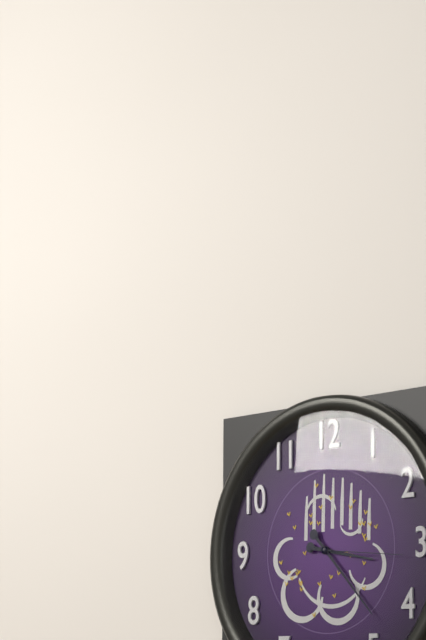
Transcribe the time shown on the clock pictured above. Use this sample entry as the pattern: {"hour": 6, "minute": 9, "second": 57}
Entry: {"hour": 3, "minute": 23, "second": 16}
